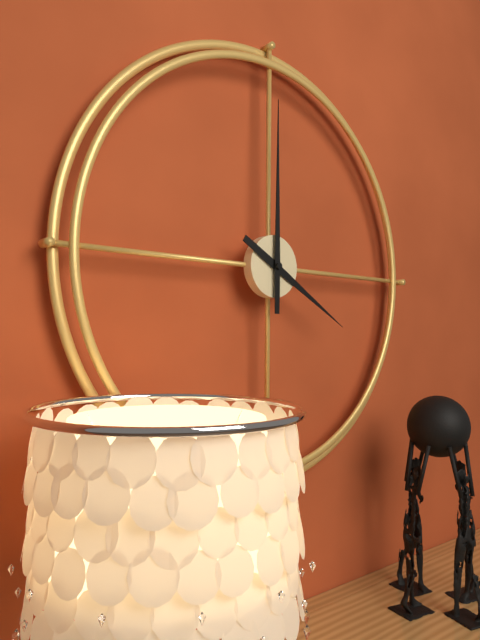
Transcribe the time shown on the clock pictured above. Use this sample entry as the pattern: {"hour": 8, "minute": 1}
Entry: {"hour": 4, "minute": 0}
